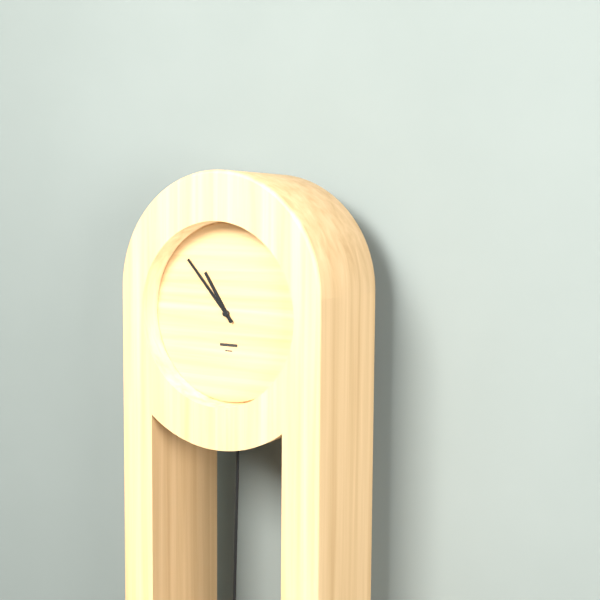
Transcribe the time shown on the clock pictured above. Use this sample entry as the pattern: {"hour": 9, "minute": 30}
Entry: {"hour": 10, "minute": 53}
